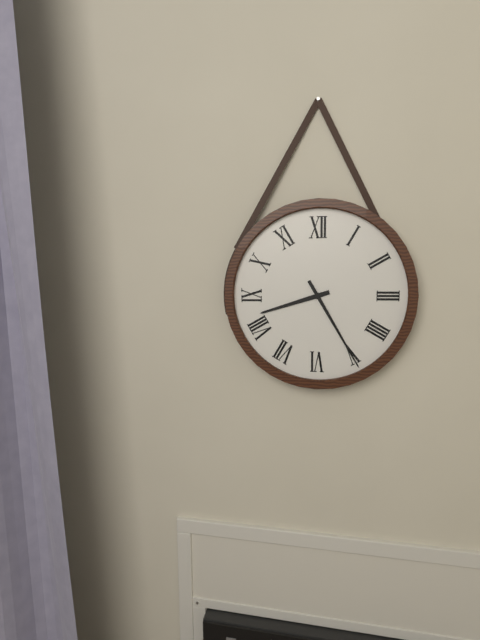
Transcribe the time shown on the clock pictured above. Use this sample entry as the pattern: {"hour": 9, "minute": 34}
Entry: {"hour": 8, "minute": 25}
